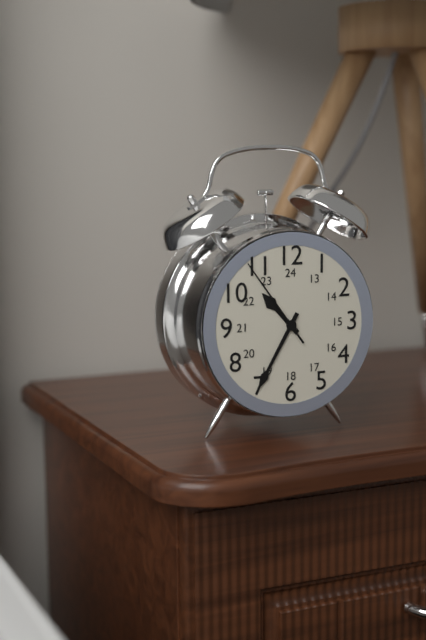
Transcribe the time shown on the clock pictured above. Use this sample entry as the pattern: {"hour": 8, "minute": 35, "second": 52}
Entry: {"hour": 10, "minute": 35, "second": 54}
